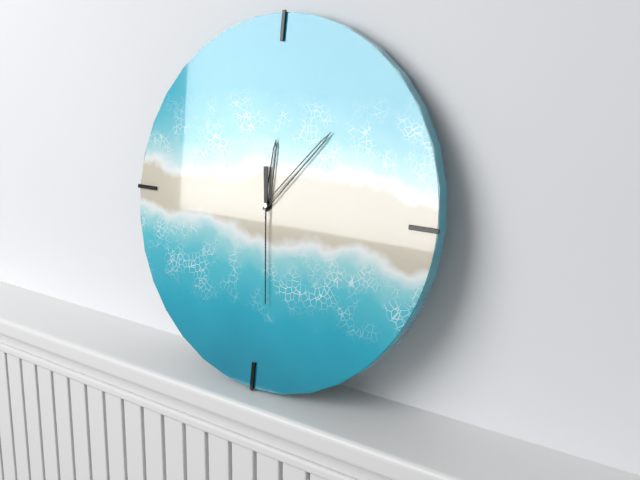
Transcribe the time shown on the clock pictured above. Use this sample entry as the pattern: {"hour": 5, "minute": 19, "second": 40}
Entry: {"hour": 12, "minute": 7, "second": 29}
